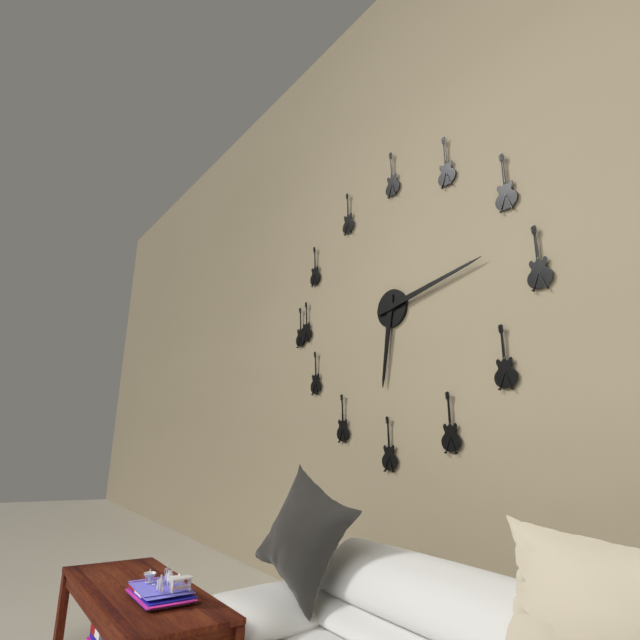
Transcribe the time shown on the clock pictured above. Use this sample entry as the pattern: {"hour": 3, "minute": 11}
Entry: {"hour": 6, "minute": 13}
